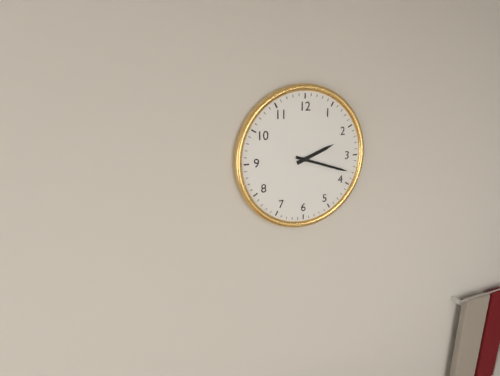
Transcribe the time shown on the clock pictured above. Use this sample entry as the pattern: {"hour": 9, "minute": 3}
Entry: {"hour": 2, "minute": 18}
